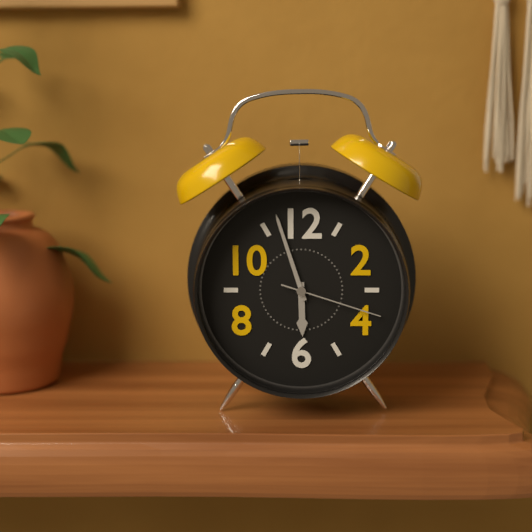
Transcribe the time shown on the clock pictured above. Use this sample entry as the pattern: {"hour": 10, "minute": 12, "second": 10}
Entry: {"hour": 5, "minute": 57, "second": 18}
